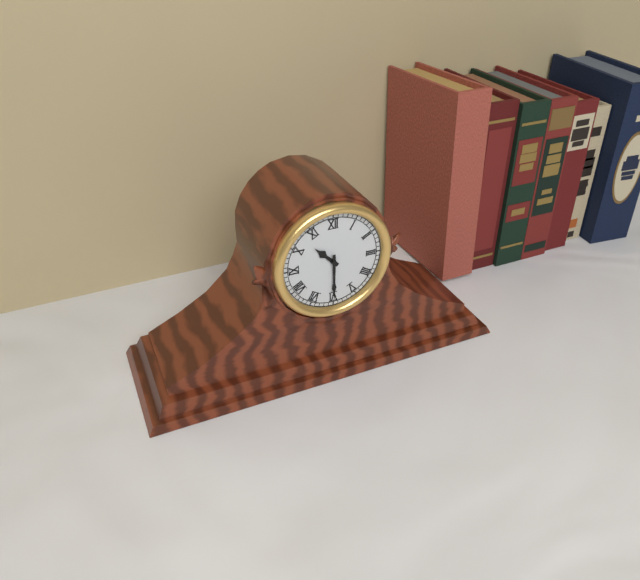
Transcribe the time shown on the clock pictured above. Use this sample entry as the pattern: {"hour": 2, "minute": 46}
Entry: {"hour": 10, "minute": 30}
